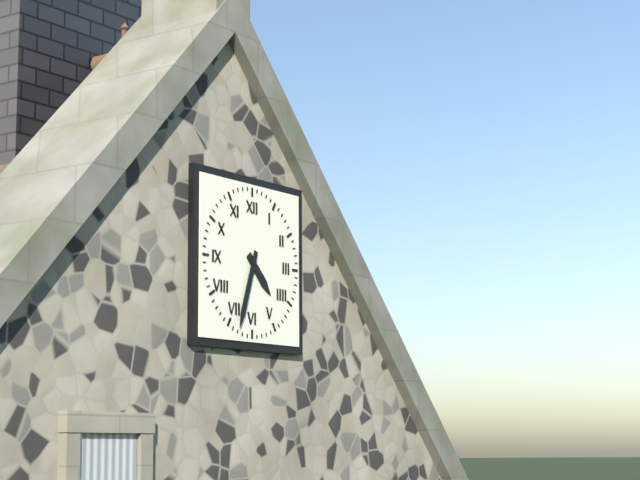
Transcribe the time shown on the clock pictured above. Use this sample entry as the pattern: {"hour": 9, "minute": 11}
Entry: {"hour": 4, "minute": 33}
